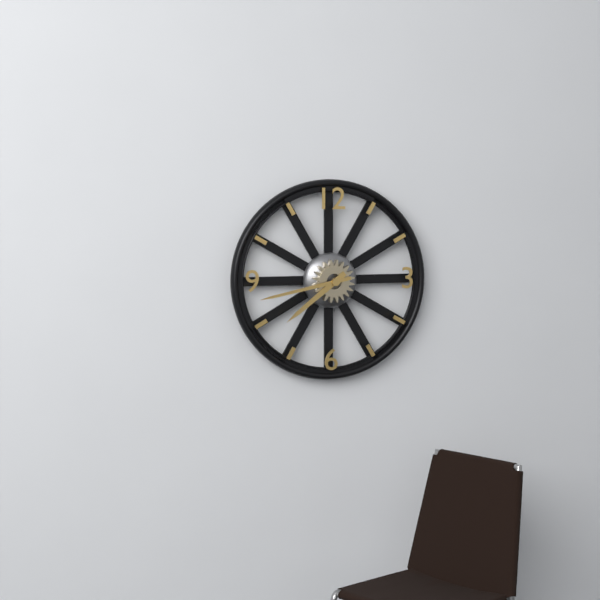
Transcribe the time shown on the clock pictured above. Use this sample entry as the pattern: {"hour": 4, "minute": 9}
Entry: {"hour": 7, "minute": 43}
